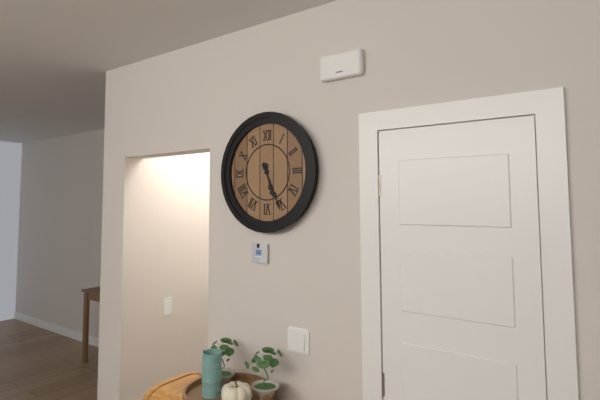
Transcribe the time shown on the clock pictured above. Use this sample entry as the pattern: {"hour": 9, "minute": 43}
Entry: {"hour": 5, "minute": 26}
